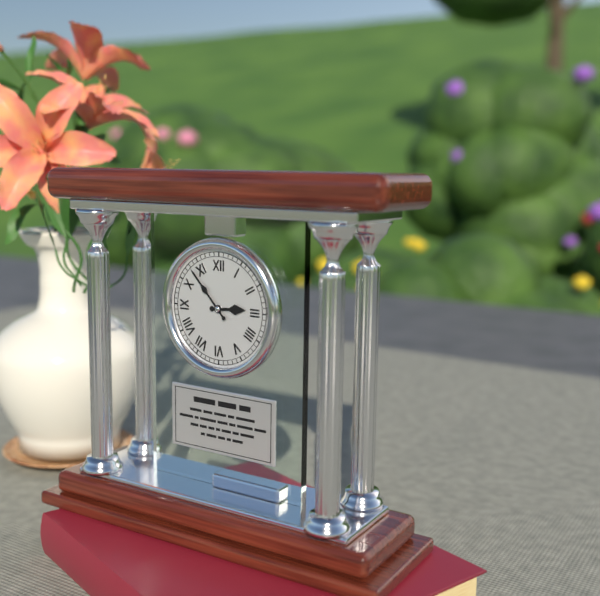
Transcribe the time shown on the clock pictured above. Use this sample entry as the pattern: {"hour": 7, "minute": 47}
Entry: {"hour": 2, "minute": 53}
